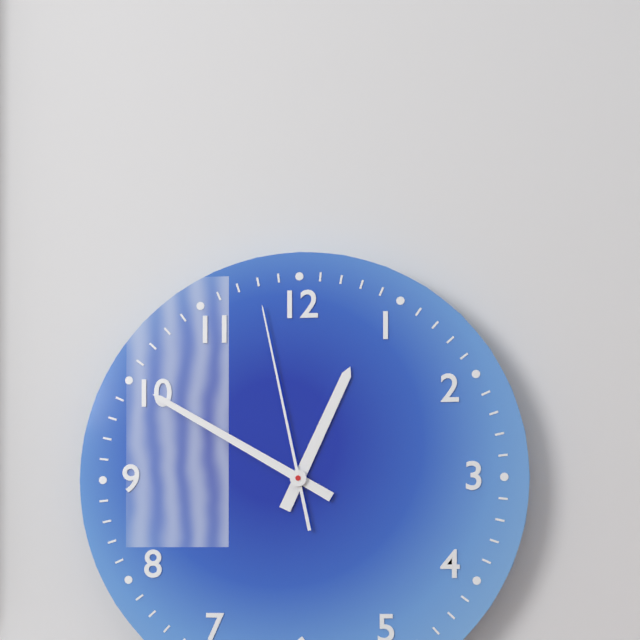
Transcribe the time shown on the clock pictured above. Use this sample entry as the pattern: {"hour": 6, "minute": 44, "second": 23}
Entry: {"hour": 12, "minute": 50, "second": 58}
